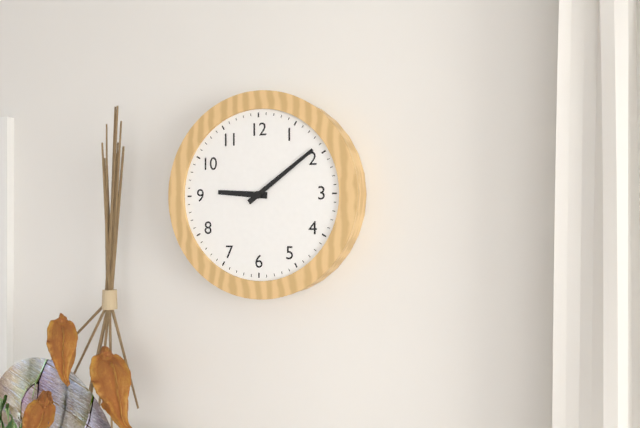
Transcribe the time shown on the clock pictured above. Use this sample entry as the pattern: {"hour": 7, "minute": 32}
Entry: {"hour": 9, "minute": 9}
